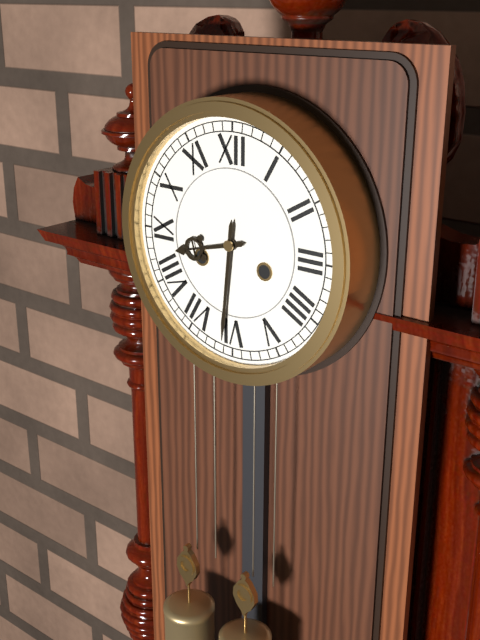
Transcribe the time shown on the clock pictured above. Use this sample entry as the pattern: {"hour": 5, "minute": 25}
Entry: {"hour": 8, "minute": 31}
